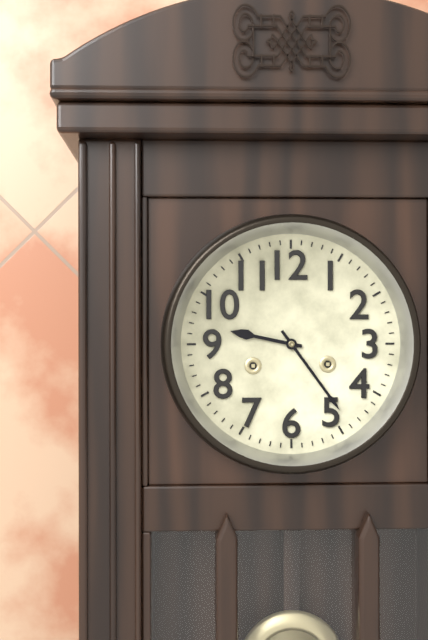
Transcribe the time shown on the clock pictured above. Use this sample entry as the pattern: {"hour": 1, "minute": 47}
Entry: {"hour": 9, "minute": 24}
